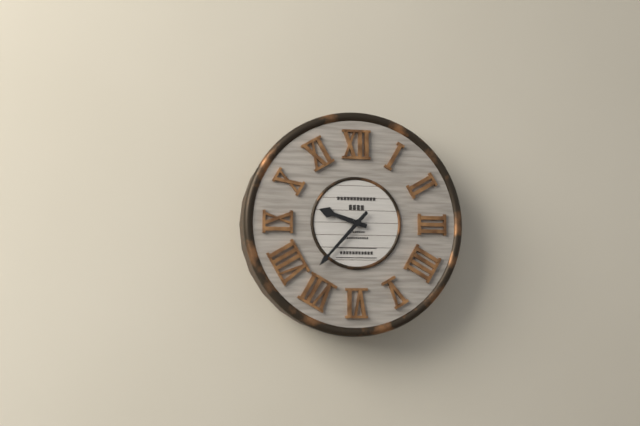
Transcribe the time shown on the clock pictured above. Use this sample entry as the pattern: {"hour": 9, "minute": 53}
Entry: {"hour": 9, "minute": 37}
